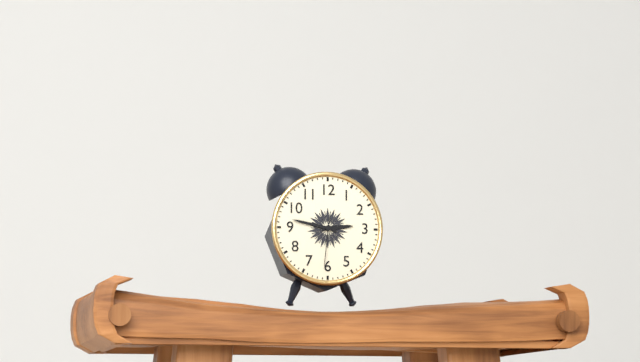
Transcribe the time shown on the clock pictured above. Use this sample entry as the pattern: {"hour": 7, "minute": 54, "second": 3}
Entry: {"hour": 2, "minute": 47, "second": 31}
